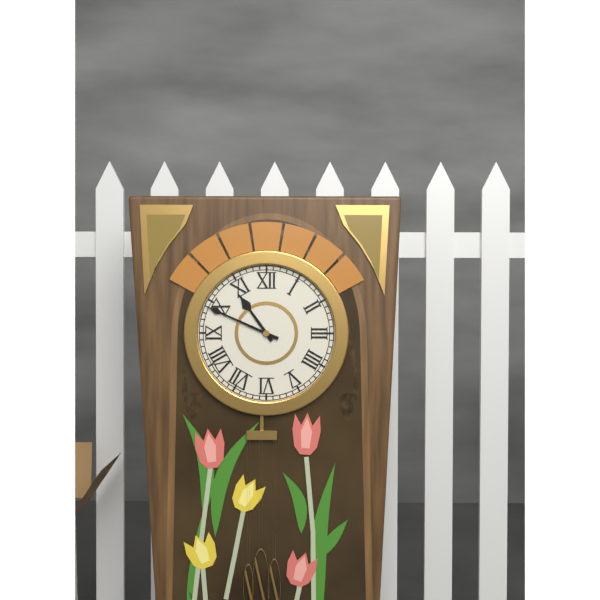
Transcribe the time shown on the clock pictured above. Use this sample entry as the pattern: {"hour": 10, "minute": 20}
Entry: {"hour": 10, "minute": 49}
